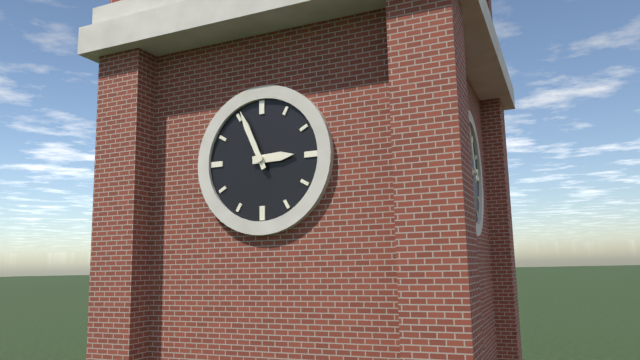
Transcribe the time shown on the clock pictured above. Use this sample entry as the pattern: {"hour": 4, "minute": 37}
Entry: {"hour": 2, "minute": 56}
